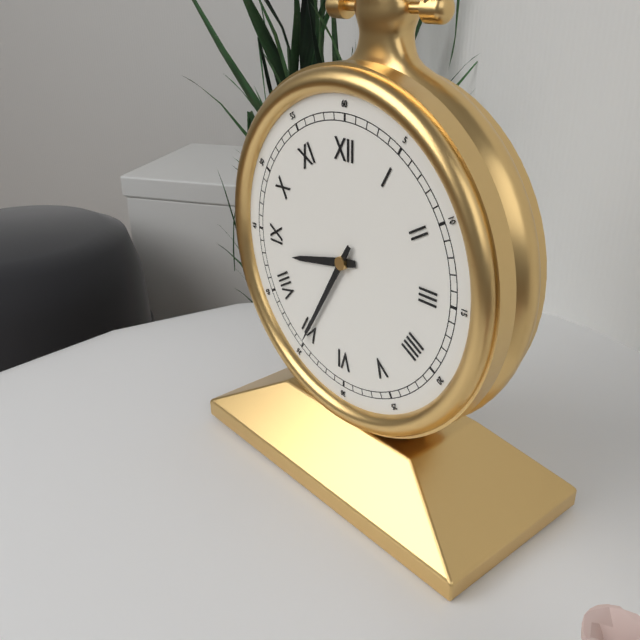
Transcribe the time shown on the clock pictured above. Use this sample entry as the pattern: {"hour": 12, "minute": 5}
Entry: {"hour": 8, "minute": 35}
